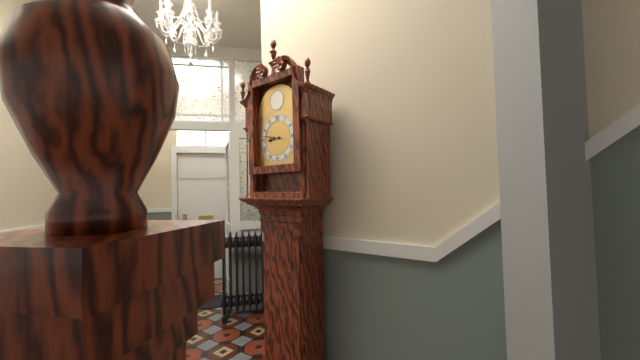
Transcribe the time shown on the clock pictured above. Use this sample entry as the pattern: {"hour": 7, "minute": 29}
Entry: {"hour": 8, "minute": 47}
